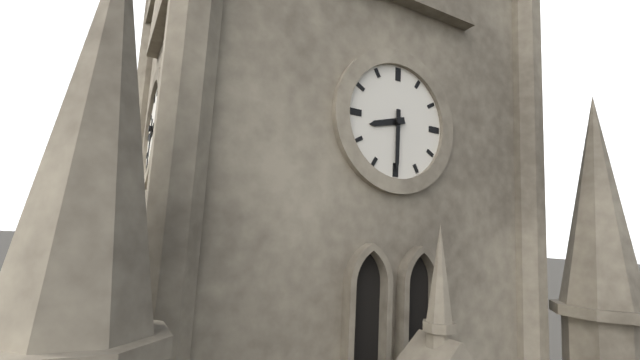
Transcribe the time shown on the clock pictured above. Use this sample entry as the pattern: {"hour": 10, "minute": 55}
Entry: {"hour": 8, "minute": 30}
